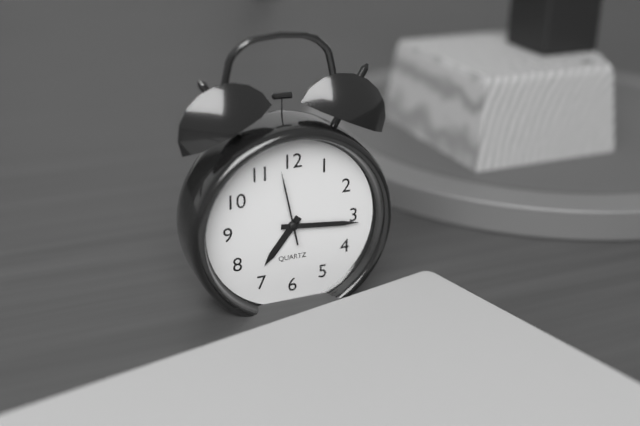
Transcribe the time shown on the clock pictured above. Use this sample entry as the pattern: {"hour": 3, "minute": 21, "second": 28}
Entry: {"hour": 7, "minute": 16, "second": 58}
